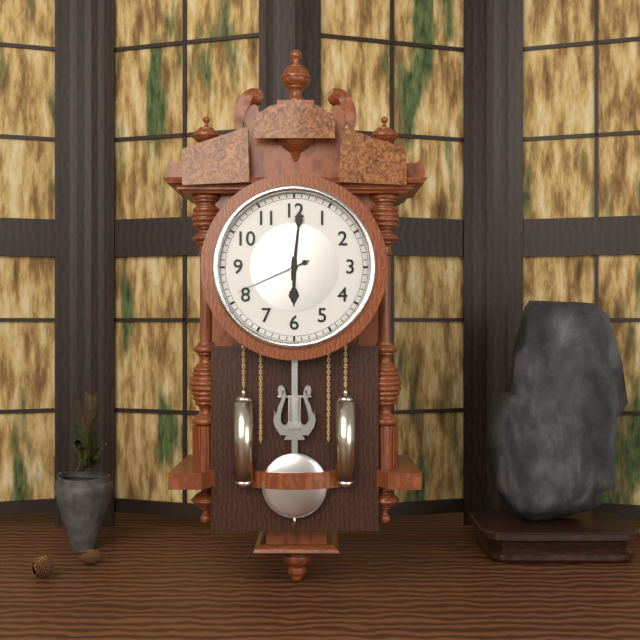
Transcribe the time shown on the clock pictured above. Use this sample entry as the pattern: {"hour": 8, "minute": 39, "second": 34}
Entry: {"hour": 6, "minute": 1, "second": 41}
